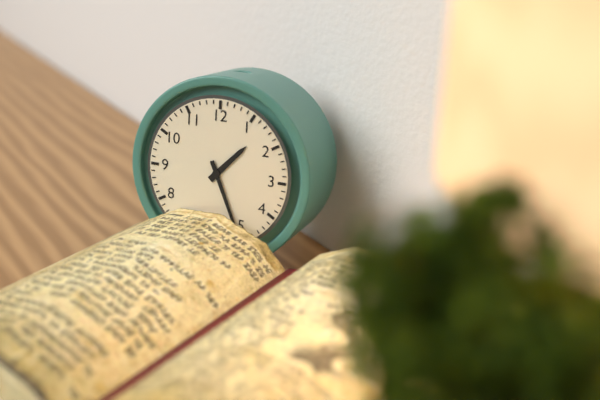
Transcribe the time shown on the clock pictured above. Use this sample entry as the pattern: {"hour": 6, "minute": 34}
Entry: {"hour": 1, "minute": 26}
